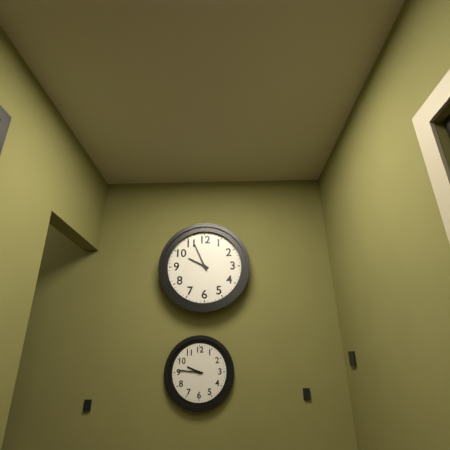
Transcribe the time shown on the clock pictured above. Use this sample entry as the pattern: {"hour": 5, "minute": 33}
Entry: {"hour": 9, "minute": 56}
